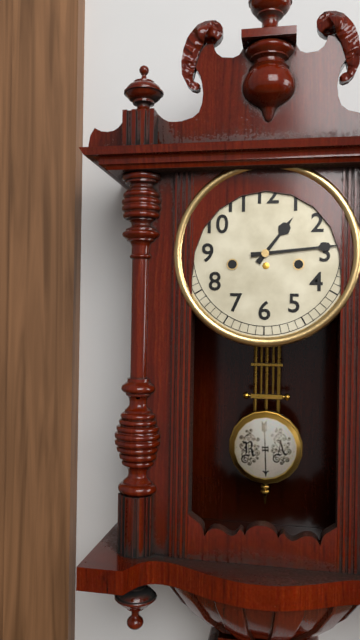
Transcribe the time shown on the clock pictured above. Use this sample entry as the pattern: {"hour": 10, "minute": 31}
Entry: {"hour": 1, "minute": 14}
